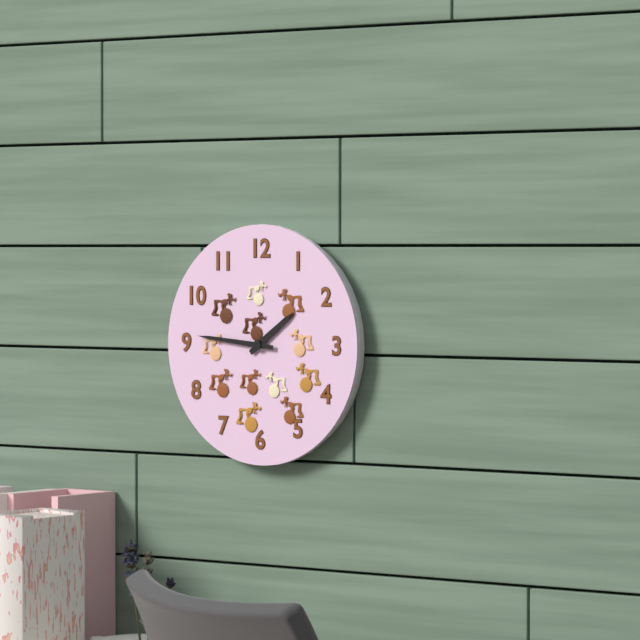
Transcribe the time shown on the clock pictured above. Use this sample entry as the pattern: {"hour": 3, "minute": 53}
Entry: {"hour": 1, "minute": 46}
